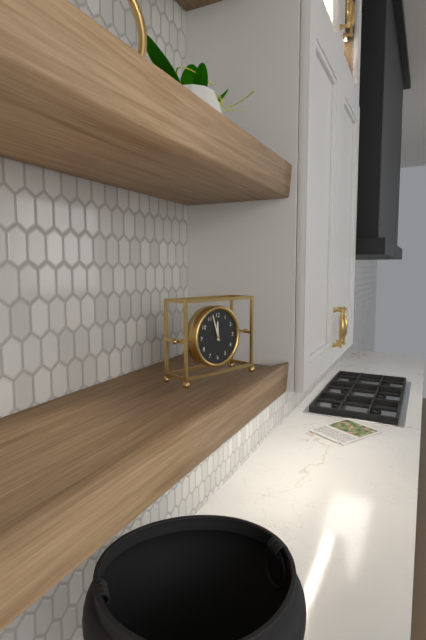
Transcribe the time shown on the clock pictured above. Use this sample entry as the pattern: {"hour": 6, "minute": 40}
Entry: {"hour": 11, "minute": 57}
